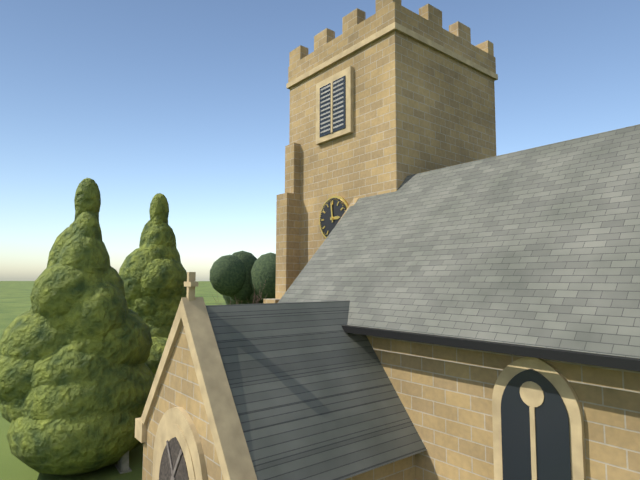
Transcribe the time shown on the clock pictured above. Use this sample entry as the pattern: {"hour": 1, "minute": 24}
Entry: {"hour": 2, "minute": 59}
